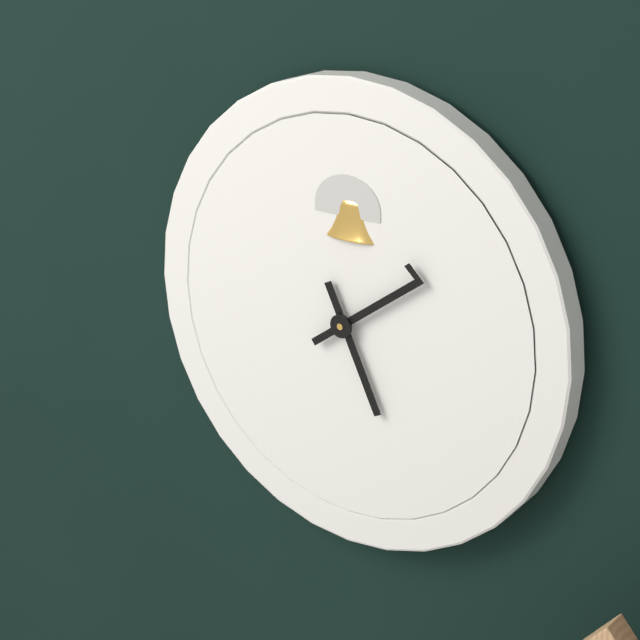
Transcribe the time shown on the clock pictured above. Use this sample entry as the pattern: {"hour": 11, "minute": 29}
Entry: {"hour": 5, "minute": 9}
